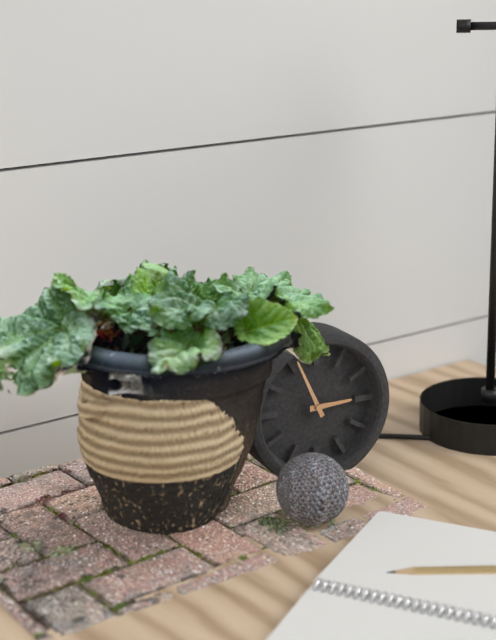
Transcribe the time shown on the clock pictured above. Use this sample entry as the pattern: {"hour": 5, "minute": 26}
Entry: {"hour": 2, "minute": 56}
